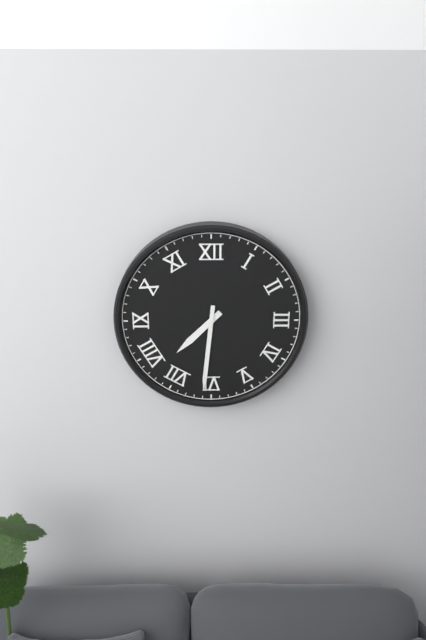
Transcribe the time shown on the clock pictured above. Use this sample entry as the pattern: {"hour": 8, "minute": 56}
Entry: {"hour": 7, "minute": 31}
